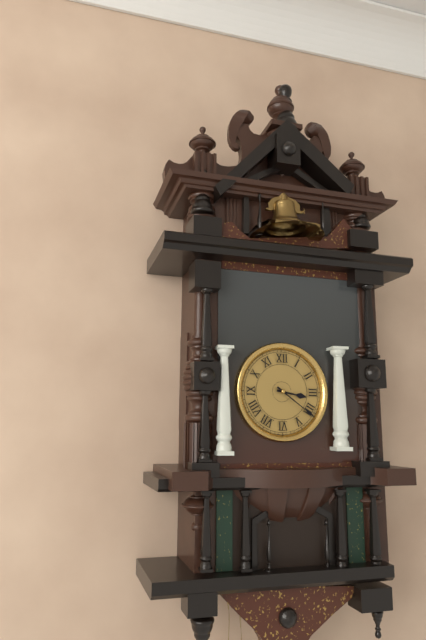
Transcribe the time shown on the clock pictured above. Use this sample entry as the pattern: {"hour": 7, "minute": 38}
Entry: {"hour": 3, "minute": 21}
